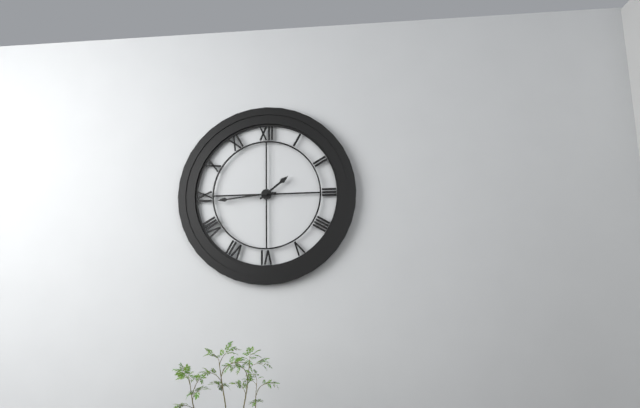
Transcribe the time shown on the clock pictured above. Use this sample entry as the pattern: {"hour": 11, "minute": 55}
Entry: {"hour": 1, "minute": 44}
